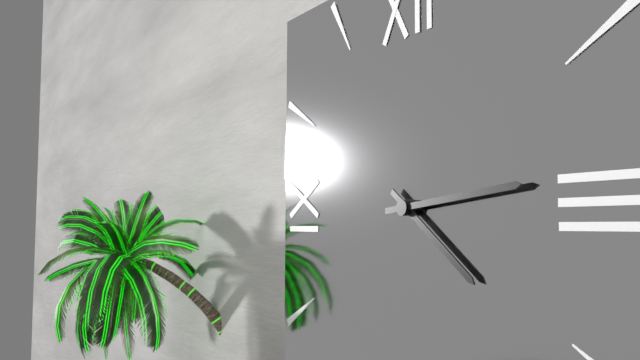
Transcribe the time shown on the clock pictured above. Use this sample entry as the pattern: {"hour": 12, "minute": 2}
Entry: {"hour": 4, "minute": 14}
